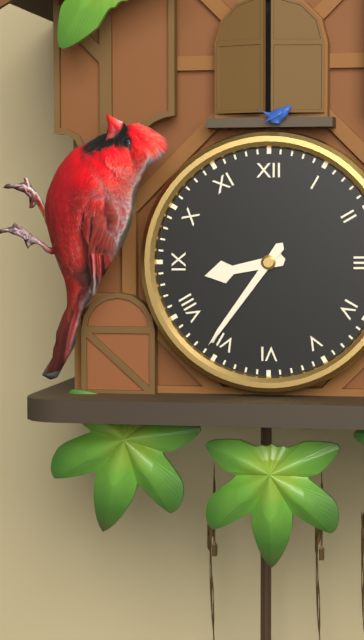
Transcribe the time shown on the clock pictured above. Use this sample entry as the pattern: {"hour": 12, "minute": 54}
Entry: {"hour": 8, "minute": 36}
